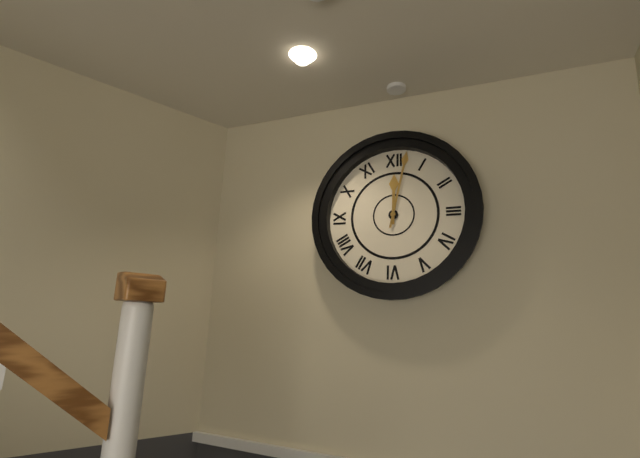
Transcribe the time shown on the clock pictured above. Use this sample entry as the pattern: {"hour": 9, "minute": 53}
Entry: {"hour": 12, "minute": 2}
